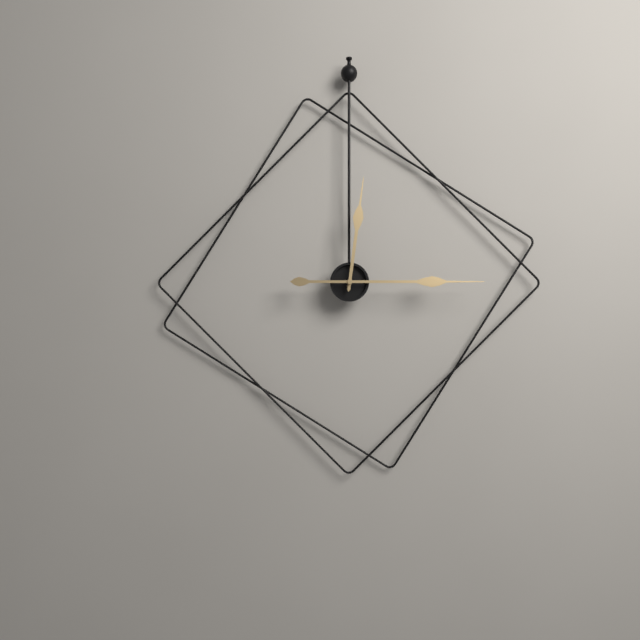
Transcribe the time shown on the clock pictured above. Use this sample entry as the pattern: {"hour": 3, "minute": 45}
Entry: {"hour": 12, "minute": 15}
